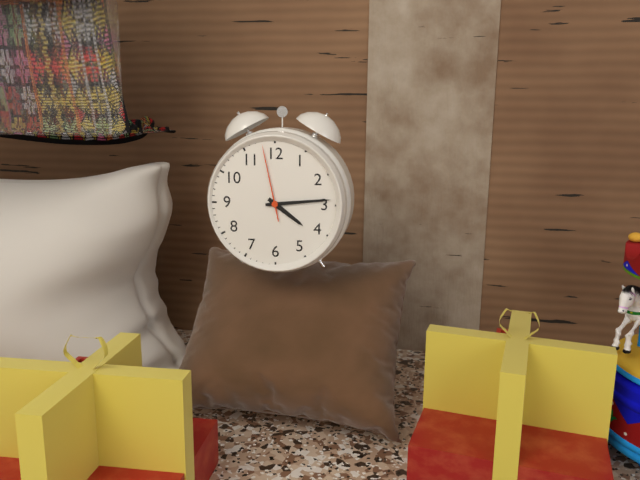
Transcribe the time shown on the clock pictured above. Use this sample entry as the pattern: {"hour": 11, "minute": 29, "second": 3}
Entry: {"hour": 4, "minute": 14, "second": 58}
